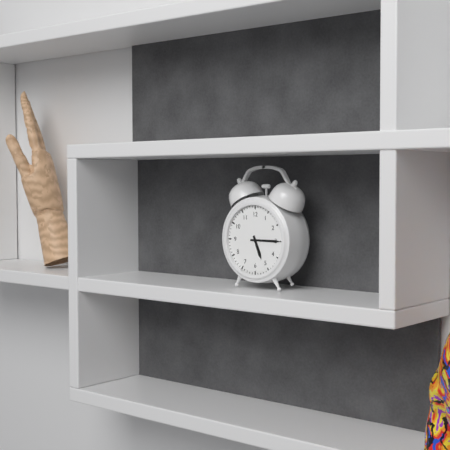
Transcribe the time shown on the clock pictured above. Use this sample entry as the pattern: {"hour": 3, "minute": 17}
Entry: {"hour": 5, "minute": 15}
